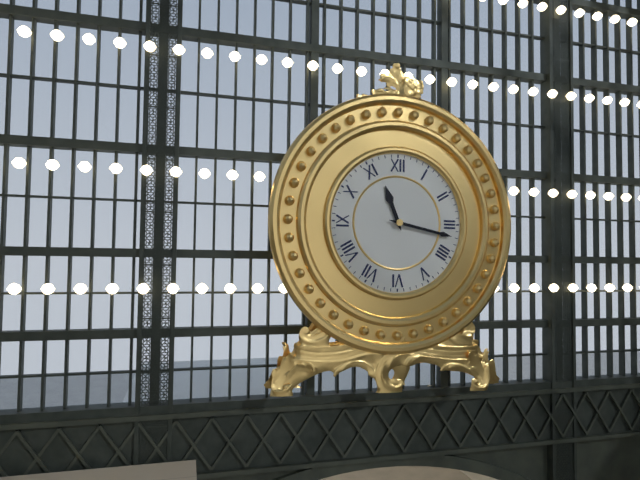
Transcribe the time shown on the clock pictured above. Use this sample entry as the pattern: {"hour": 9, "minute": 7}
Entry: {"hour": 11, "minute": 17}
